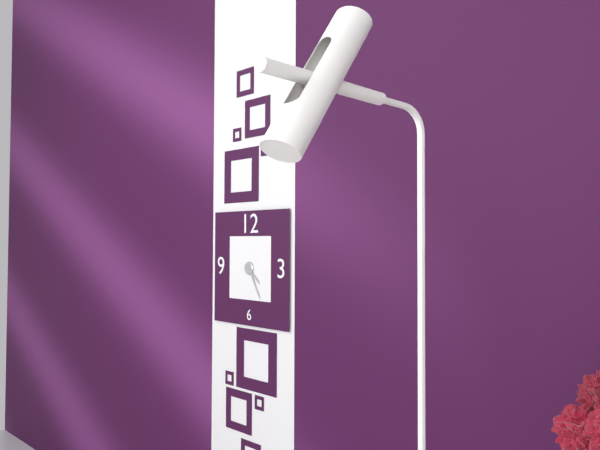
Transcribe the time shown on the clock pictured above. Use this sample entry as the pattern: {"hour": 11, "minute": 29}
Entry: {"hour": 4, "minute": 25}
